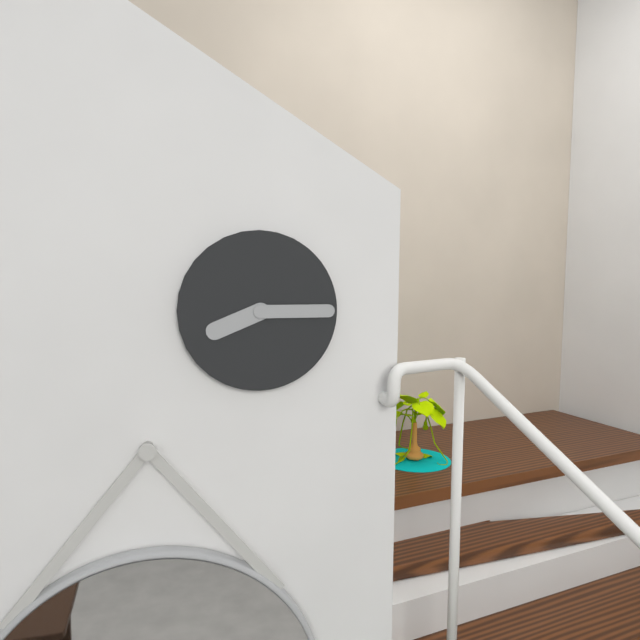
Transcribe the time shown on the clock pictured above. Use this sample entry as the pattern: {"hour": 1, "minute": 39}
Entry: {"hour": 8, "minute": 15}
